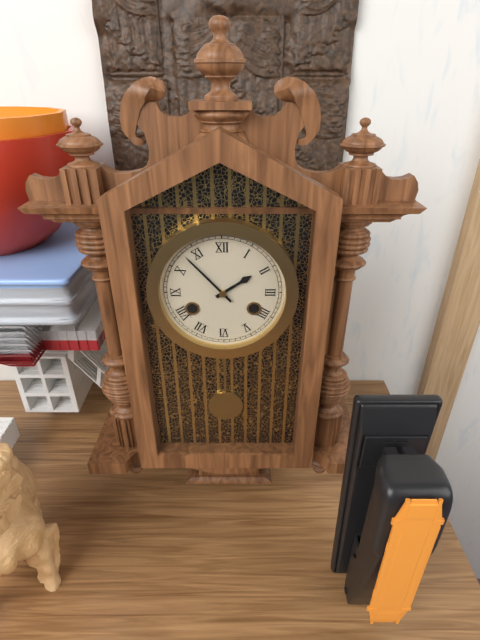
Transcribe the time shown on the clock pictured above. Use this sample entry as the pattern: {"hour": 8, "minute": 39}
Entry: {"hour": 1, "minute": 53}
